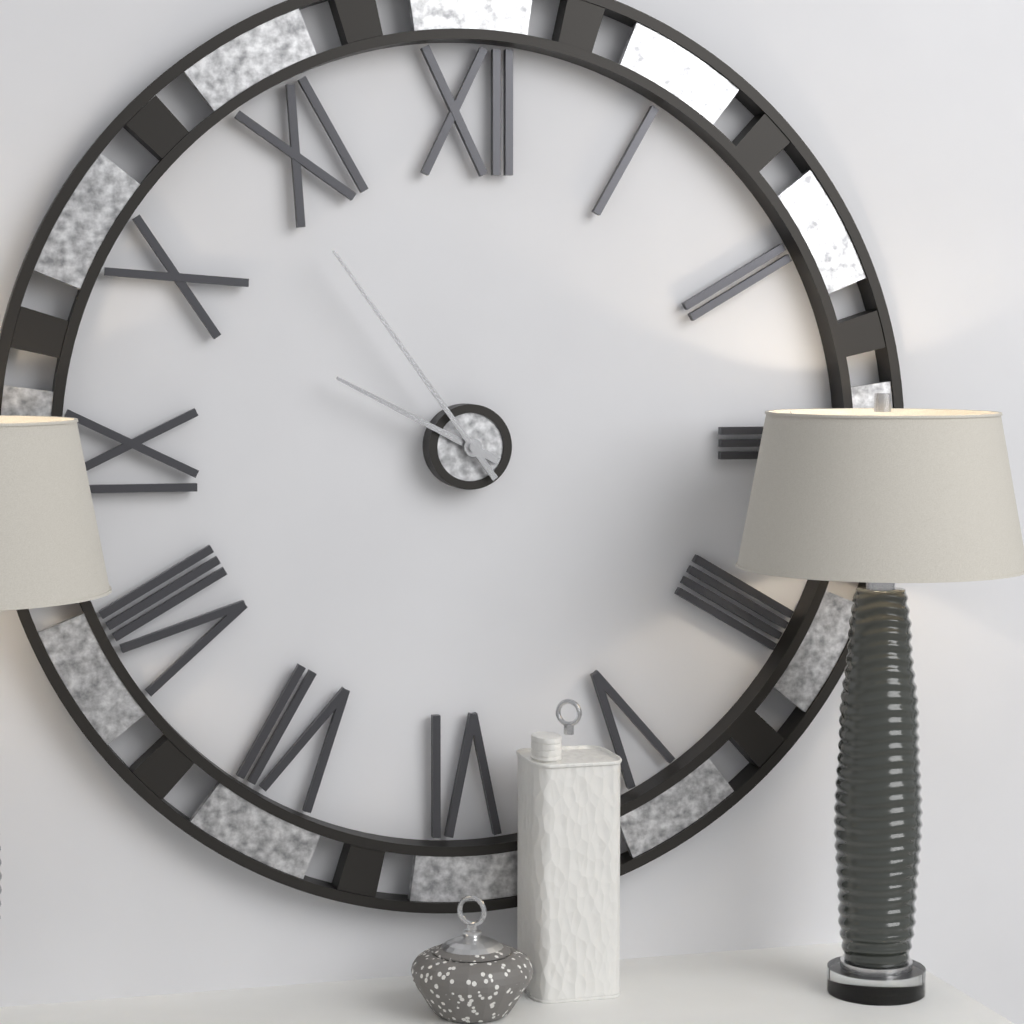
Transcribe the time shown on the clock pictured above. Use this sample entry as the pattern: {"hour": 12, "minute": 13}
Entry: {"hour": 9, "minute": 54}
